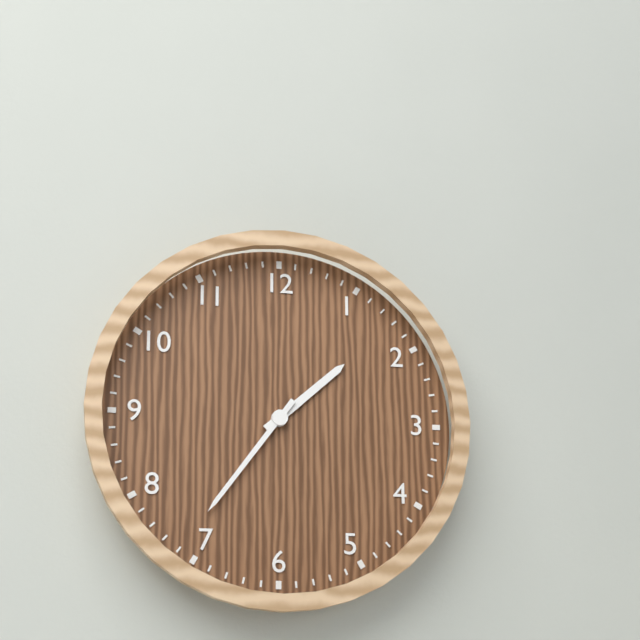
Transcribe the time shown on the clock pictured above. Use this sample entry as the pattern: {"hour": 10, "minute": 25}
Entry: {"hour": 1, "minute": 36}
